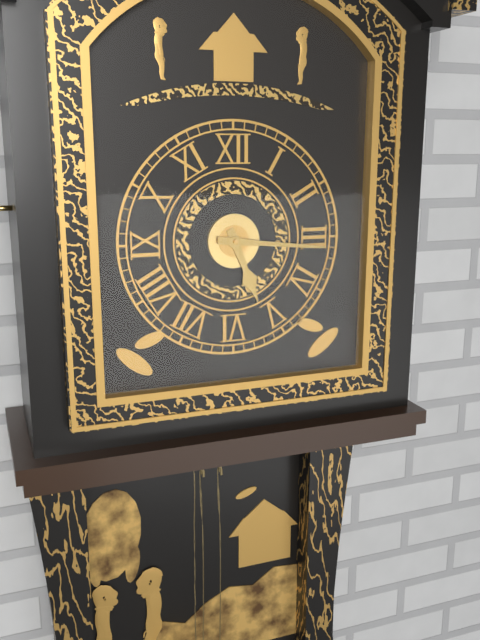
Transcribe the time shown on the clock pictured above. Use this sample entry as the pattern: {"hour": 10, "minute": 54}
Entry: {"hour": 5, "minute": 16}
